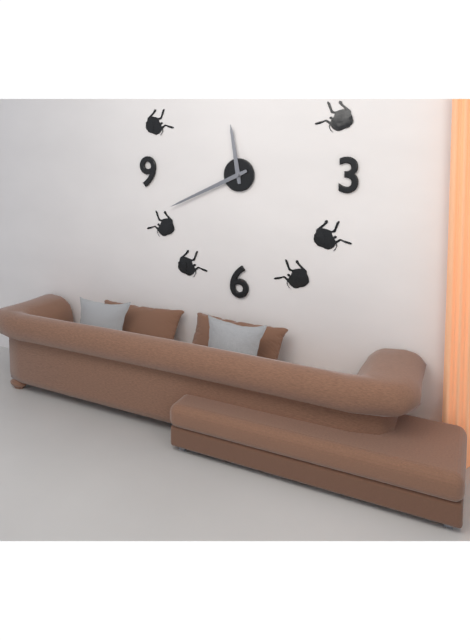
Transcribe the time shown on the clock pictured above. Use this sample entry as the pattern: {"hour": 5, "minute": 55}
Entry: {"hour": 11, "minute": 41}
